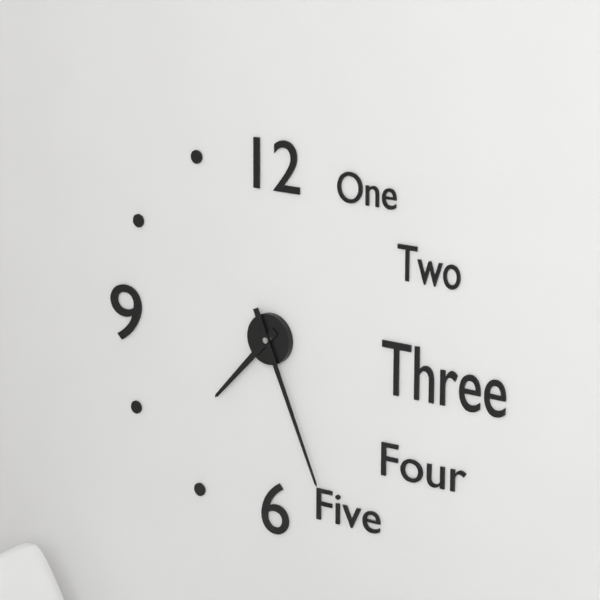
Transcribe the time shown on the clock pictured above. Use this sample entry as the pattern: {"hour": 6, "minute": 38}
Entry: {"hour": 7, "minute": 26}
